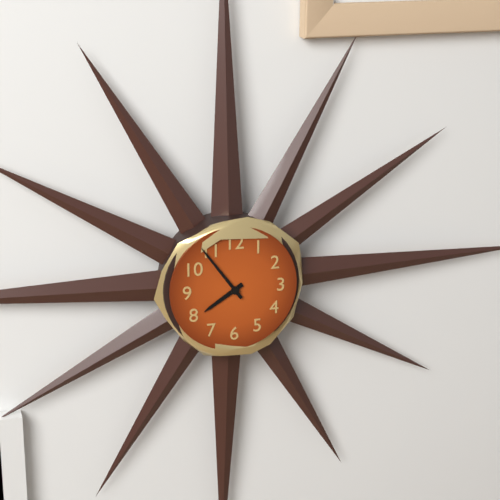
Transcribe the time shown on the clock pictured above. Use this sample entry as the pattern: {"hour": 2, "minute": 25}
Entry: {"hour": 7, "minute": 54}
